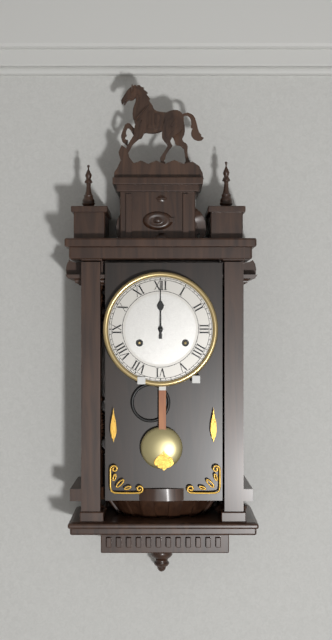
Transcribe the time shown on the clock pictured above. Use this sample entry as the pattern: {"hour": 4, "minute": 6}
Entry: {"hour": 12, "minute": 0}
